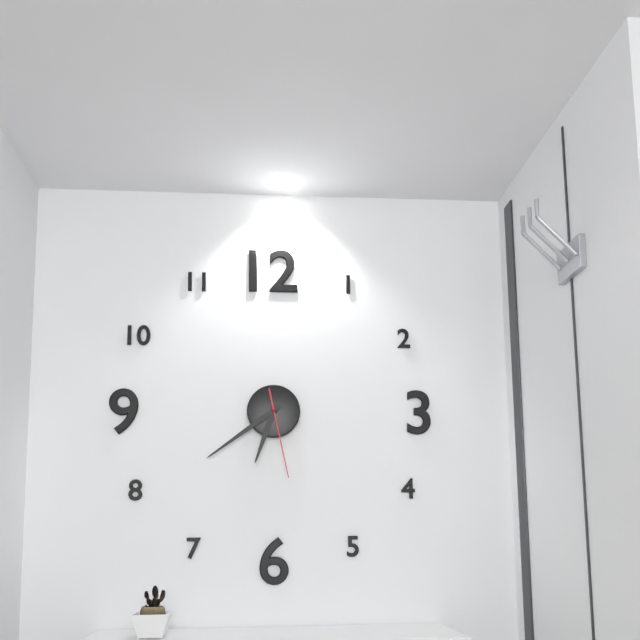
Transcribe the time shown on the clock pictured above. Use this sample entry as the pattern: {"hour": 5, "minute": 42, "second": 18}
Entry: {"hour": 6, "minute": 39, "second": 28}
